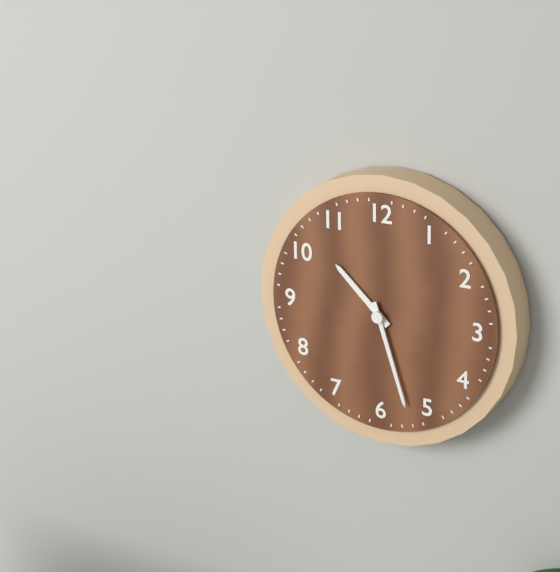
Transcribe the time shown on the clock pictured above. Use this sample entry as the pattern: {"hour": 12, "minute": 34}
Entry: {"hour": 10, "minute": 27}
